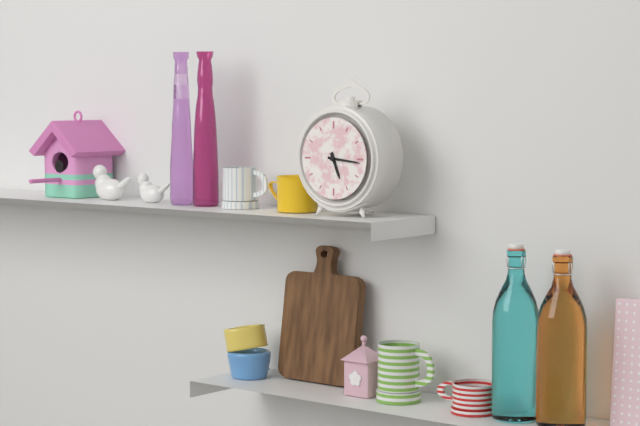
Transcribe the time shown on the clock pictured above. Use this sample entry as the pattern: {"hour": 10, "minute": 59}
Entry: {"hour": 5, "minute": 16}
